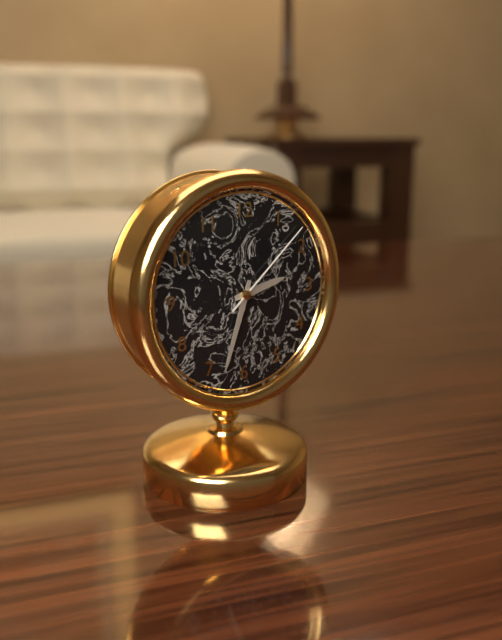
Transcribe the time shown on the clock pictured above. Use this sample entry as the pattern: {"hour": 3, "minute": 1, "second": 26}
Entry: {"hour": 2, "minute": 33, "second": 8}
